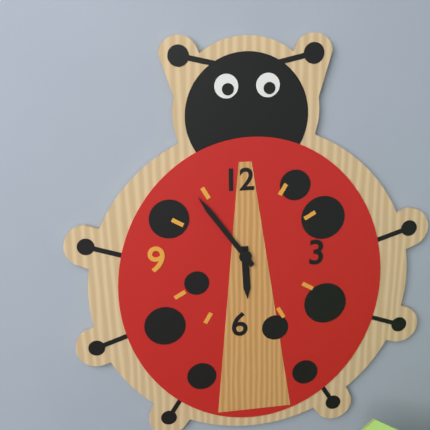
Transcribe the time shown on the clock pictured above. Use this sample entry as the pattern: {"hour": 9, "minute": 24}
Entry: {"hour": 5, "minute": 54}
